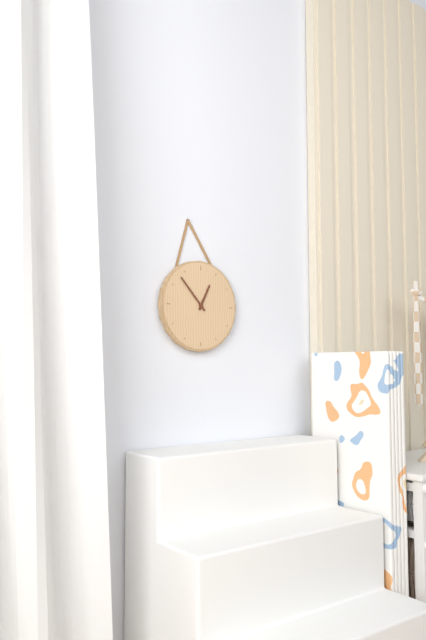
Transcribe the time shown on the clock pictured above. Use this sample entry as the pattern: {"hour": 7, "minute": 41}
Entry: {"hour": 12, "minute": 53}
